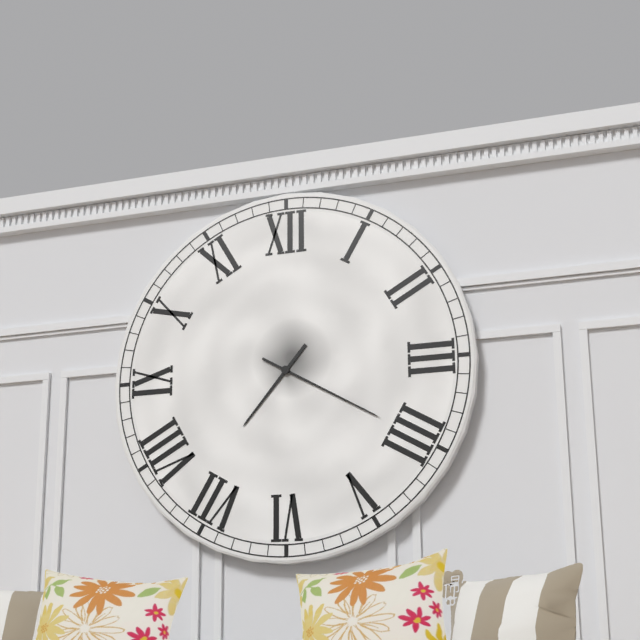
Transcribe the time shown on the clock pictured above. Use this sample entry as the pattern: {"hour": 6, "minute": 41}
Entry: {"hour": 7, "minute": 20}
